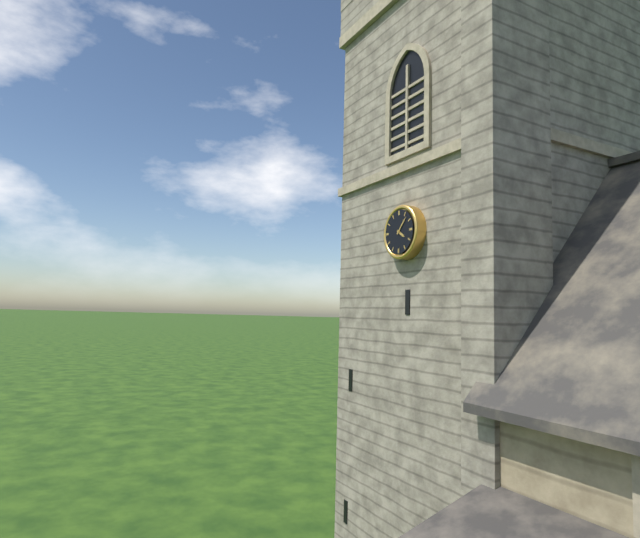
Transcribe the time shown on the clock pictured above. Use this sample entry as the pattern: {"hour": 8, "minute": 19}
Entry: {"hour": 4, "minute": 7}
